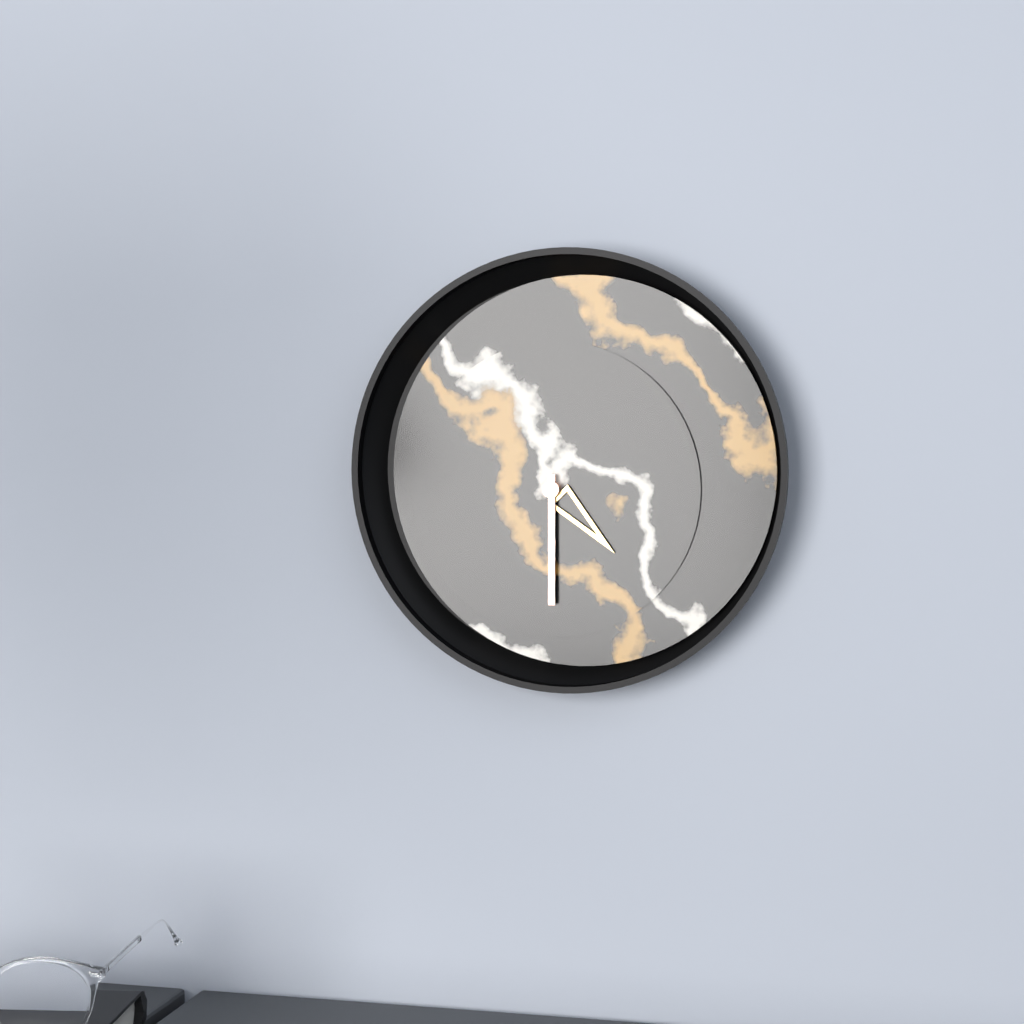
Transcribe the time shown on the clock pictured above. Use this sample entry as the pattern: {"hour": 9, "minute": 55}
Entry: {"hour": 4, "minute": 30}
